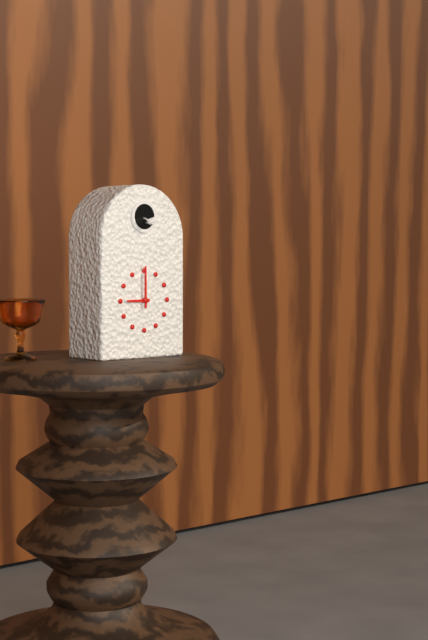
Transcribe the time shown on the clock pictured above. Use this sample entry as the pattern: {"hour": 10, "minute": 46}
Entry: {"hour": 9, "minute": 0}
